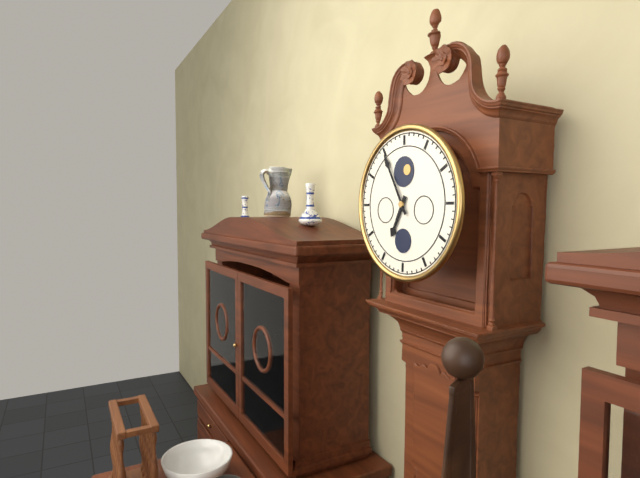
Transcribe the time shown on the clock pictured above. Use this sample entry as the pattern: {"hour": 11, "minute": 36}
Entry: {"hour": 6, "minute": 55}
